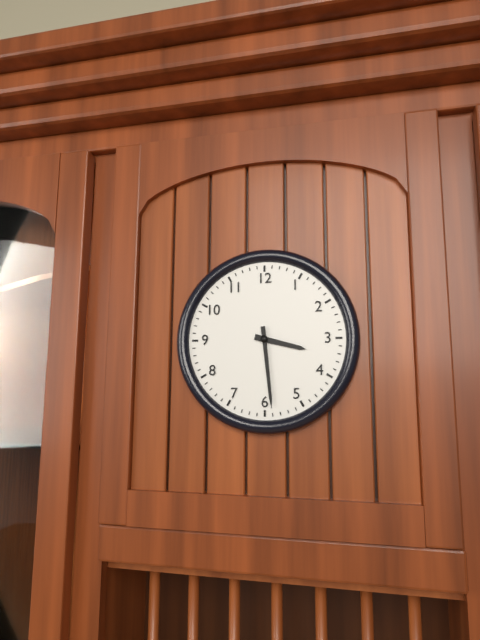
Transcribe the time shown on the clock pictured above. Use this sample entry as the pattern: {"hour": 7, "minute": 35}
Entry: {"hour": 3, "minute": 29}
